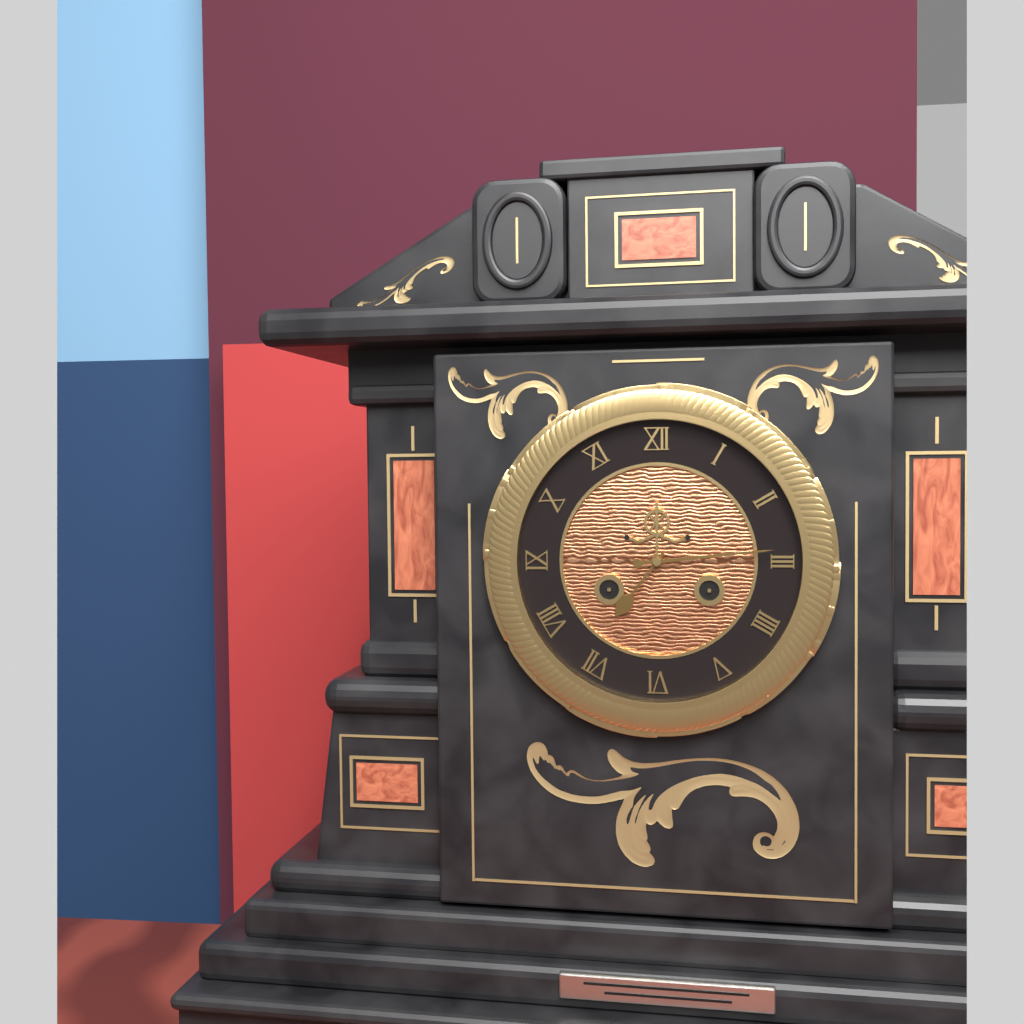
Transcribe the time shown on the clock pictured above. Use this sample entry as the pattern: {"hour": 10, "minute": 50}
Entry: {"hour": 7, "minute": 14}
